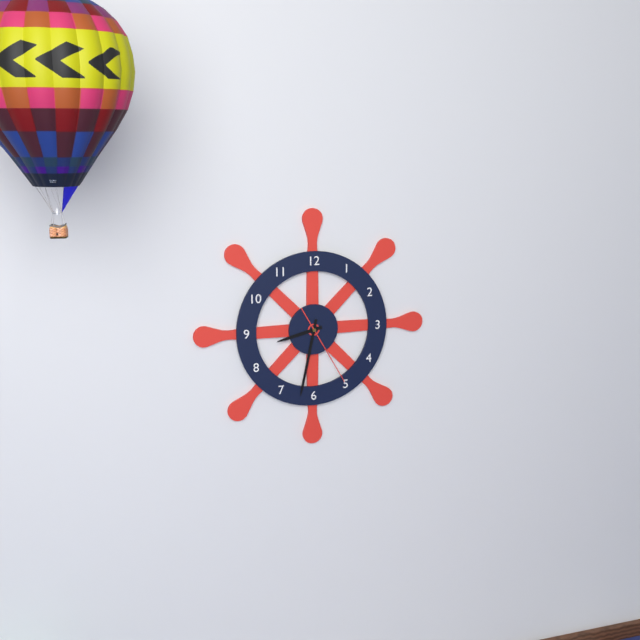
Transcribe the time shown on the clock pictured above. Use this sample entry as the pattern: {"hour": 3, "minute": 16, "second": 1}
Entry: {"hour": 8, "minute": 32, "second": 25}
